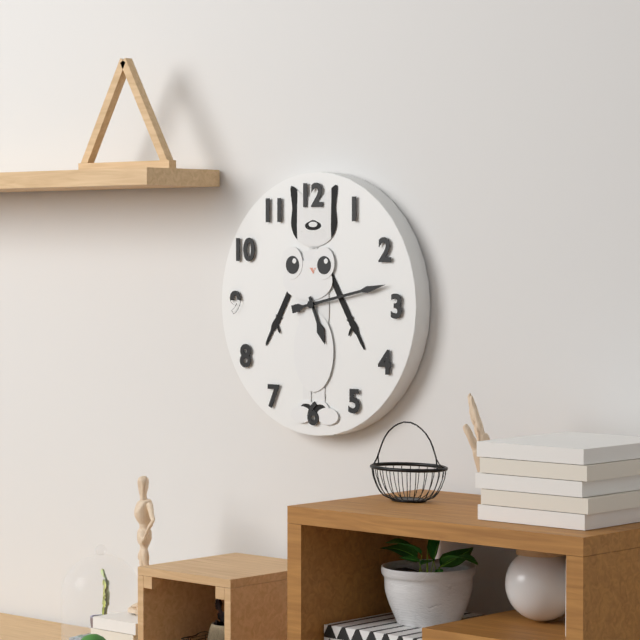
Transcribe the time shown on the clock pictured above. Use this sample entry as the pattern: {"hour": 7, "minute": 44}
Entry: {"hour": 5, "minute": 13}
